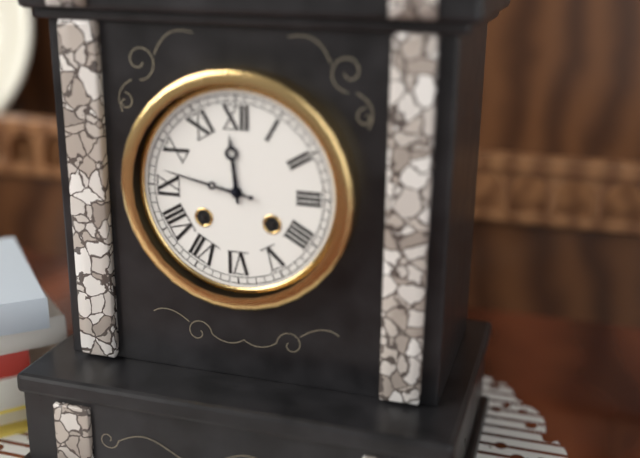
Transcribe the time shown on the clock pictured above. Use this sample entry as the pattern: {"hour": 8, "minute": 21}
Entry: {"hour": 11, "minute": 47}
